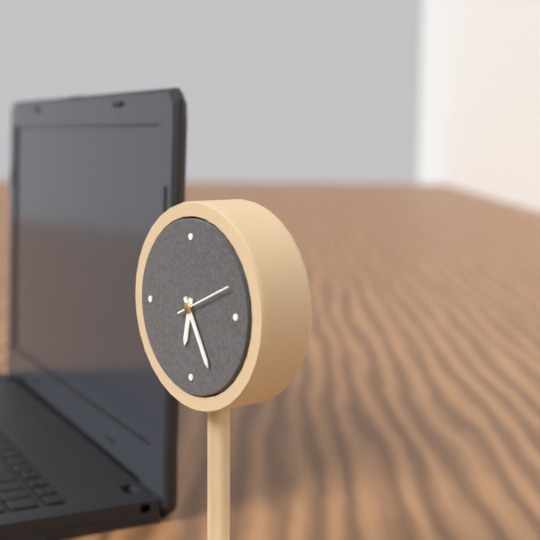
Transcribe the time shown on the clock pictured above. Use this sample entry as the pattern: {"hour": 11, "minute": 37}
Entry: {"hour": 6, "minute": 25}
